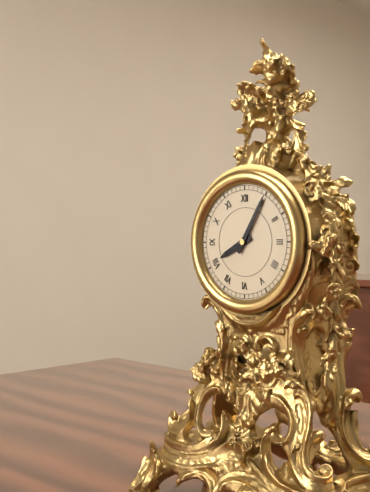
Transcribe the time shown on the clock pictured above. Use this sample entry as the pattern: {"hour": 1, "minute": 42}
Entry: {"hour": 8, "minute": 5}
